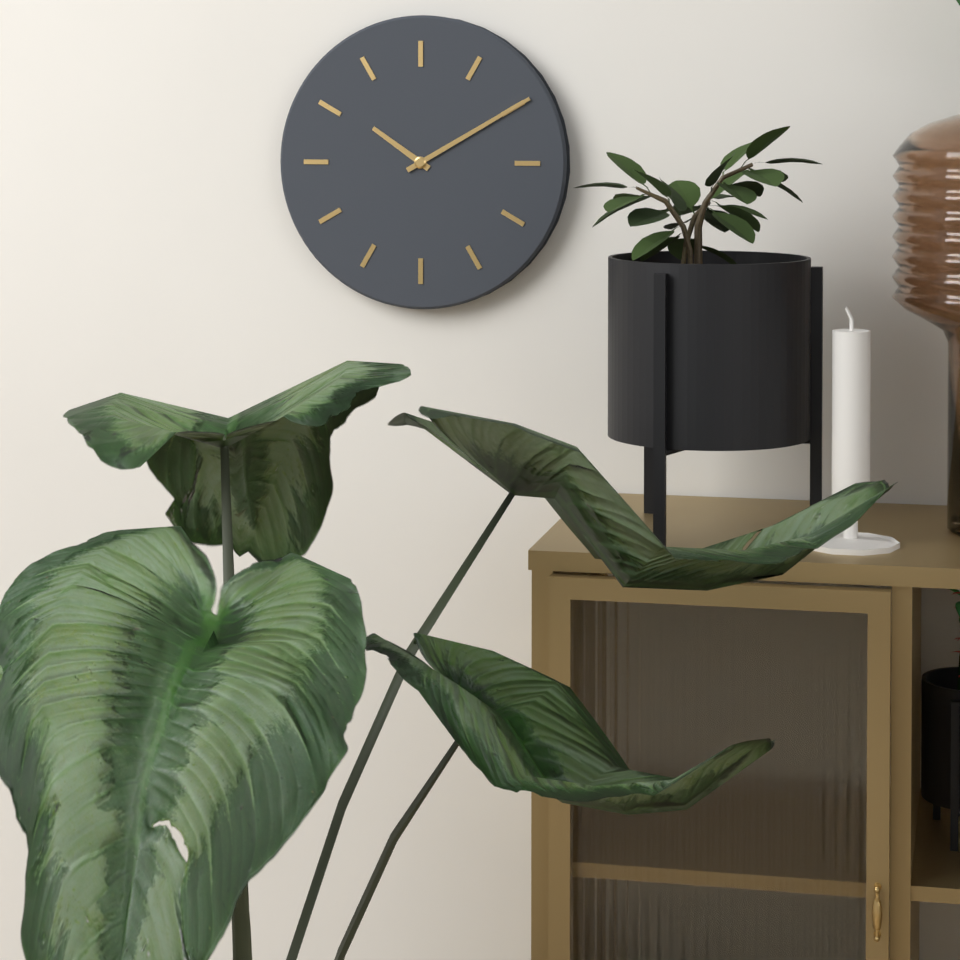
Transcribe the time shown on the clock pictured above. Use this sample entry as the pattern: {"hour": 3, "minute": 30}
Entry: {"hour": 10, "minute": 10}
